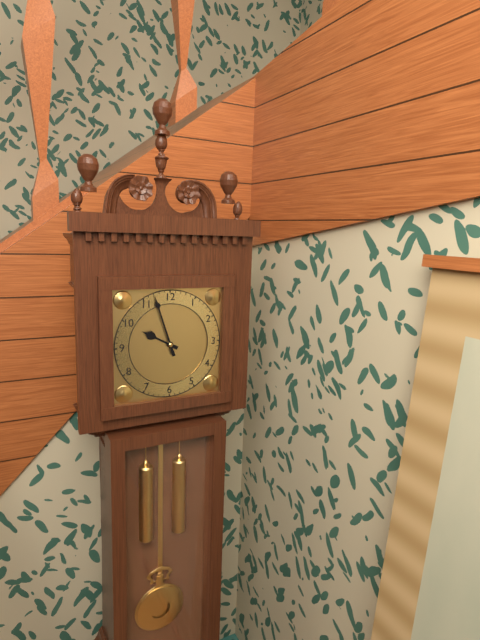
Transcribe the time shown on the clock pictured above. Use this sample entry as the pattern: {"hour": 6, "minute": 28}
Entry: {"hour": 9, "minute": 57}
